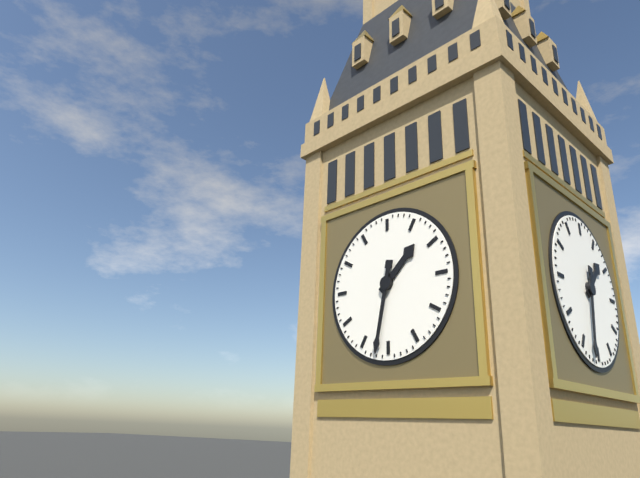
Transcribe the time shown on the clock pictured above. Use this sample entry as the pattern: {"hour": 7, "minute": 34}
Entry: {"hour": 1, "minute": 32}
